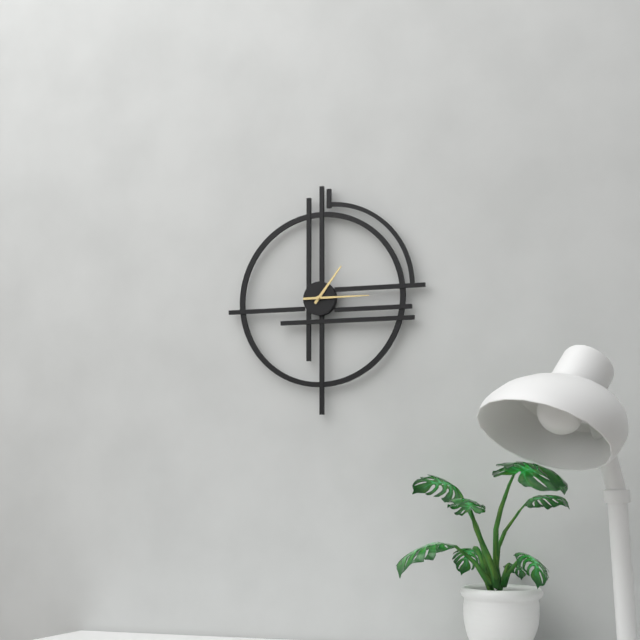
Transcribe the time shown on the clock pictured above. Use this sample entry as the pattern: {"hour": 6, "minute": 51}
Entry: {"hour": 1, "minute": 15}
